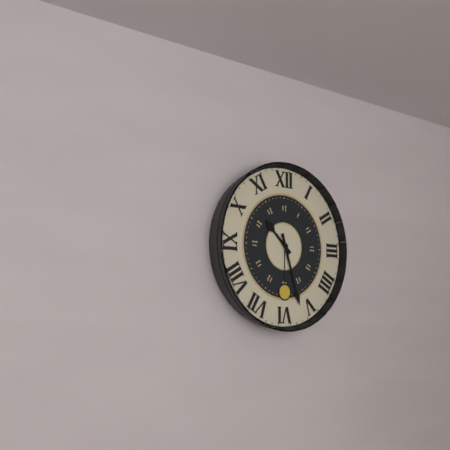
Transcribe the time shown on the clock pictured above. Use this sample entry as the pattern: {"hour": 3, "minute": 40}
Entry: {"hour": 10, "minute": 27}
